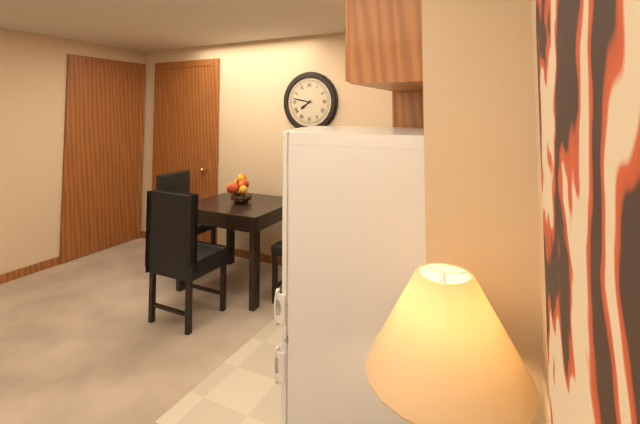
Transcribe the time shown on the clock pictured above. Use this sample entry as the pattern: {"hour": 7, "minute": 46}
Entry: {"hour": 7, "minute": 47}
